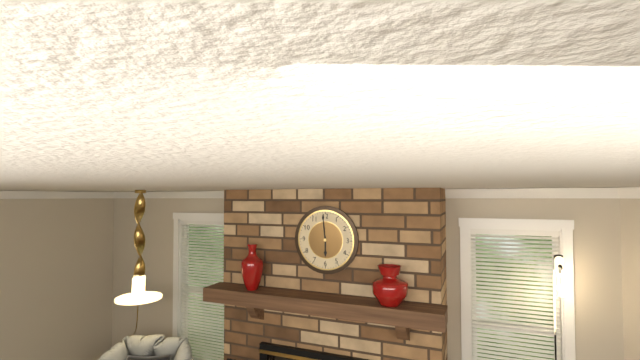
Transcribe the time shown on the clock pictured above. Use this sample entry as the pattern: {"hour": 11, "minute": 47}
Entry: {"hour": 5, "minute": 59}
